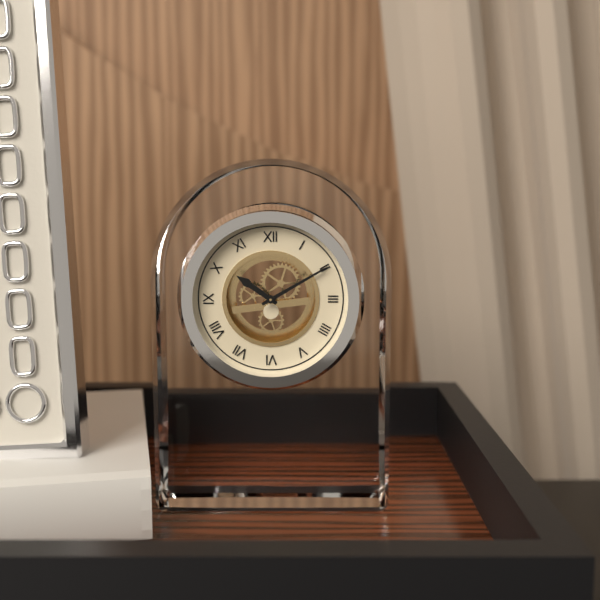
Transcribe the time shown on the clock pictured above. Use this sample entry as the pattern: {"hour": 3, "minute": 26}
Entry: {"hour": 10, "minute": 10}
